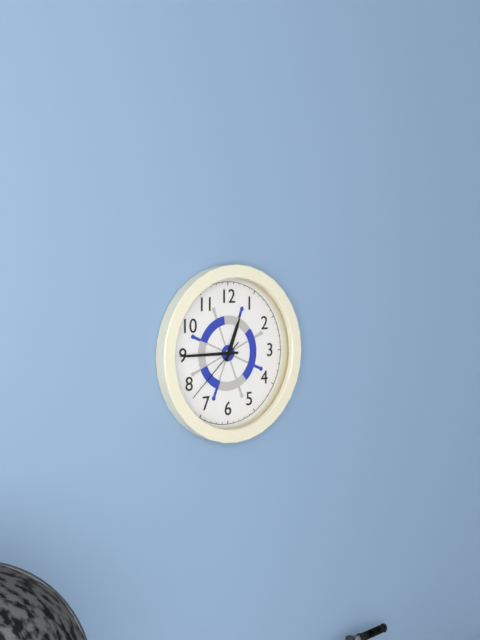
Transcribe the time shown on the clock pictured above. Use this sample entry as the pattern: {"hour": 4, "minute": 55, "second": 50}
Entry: {"hour": 12, "minute": 45, "second": 38}
